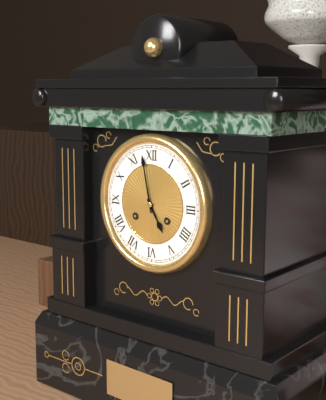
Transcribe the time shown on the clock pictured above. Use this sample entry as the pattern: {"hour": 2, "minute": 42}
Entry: {"hour": 4, "minute": 58}
